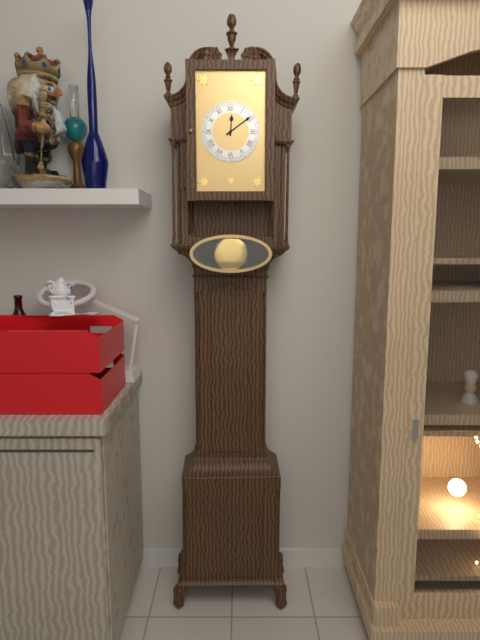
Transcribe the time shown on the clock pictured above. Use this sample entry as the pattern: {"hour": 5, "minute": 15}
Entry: {"hour": 12, "minute": 9}
